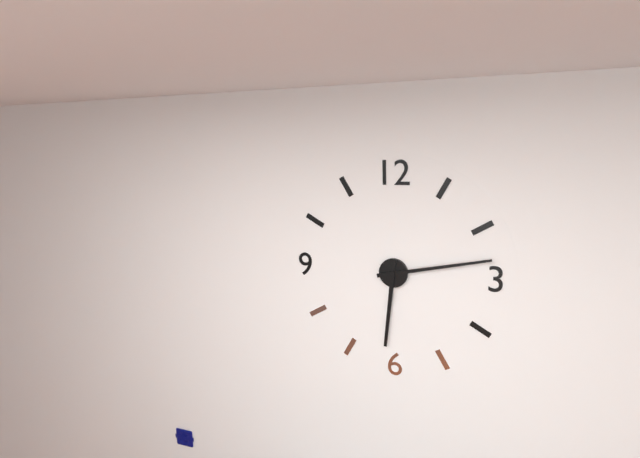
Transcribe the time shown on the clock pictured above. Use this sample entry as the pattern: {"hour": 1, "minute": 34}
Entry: {"hour": 6, "minute": 13}
